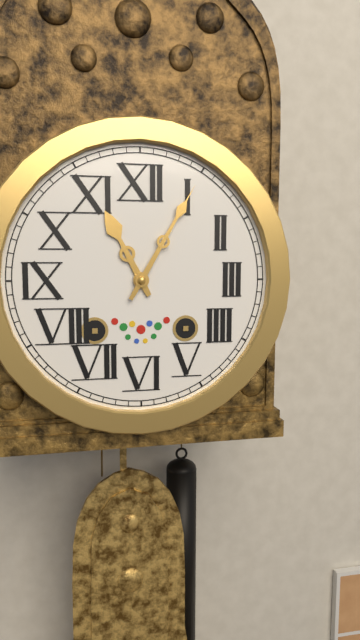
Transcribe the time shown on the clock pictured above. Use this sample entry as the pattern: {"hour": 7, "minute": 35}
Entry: {"hour": 11, "minute": 5}
